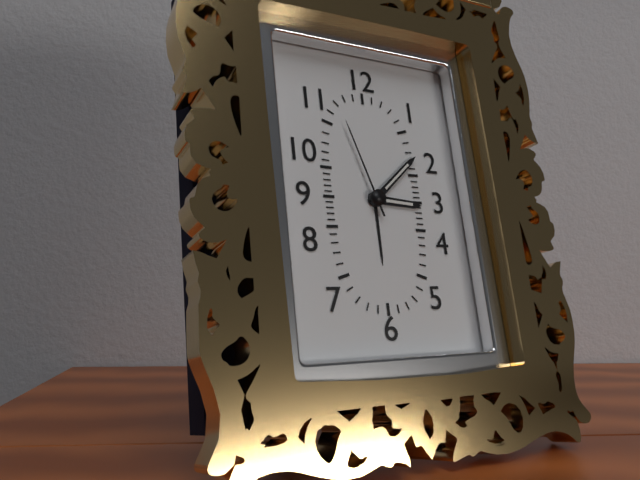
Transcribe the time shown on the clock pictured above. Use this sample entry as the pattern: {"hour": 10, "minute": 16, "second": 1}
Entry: {"hour": 3, "minute": 8, "second": 57}
